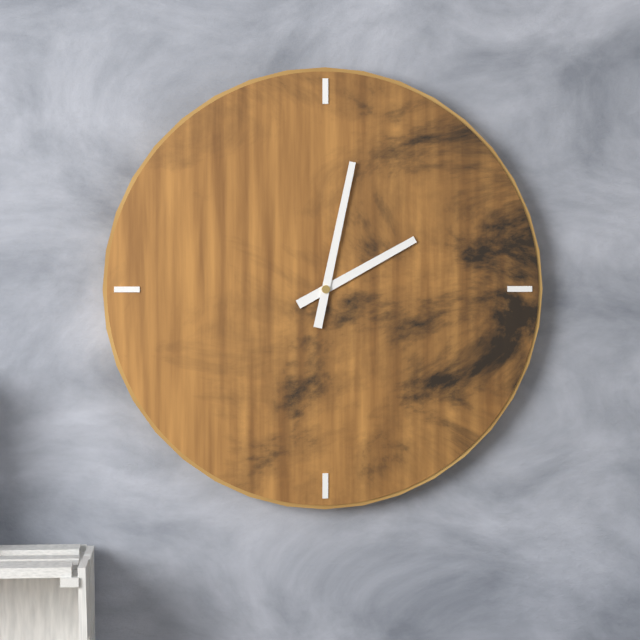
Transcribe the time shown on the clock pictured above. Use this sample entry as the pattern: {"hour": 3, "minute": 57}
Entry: {"hour": 2, "minute": 2}
